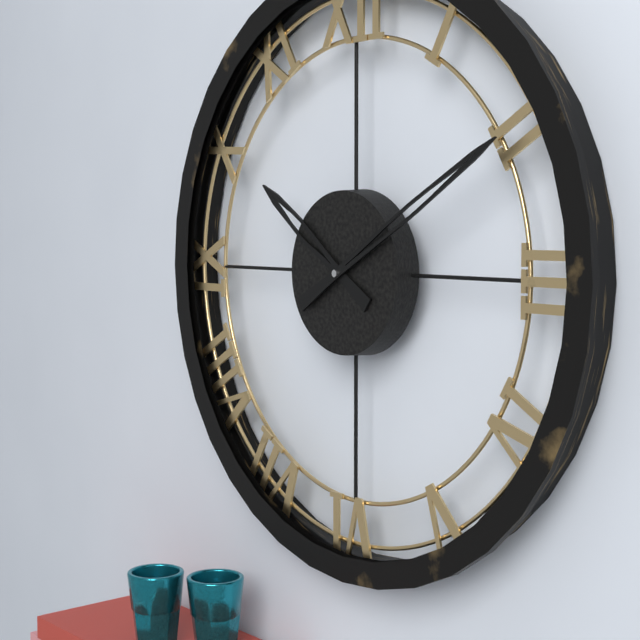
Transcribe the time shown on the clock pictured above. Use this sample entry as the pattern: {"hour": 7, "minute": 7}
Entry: {"hour": 10, "minute": 10}
